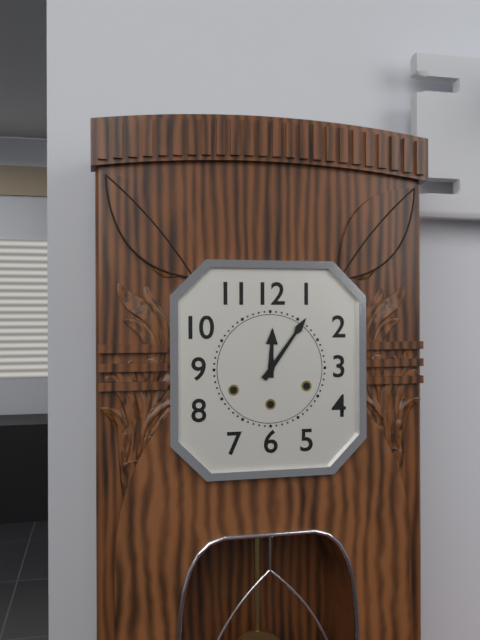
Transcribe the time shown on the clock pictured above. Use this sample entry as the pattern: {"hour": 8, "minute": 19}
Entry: {"hour": 12, "minute": 6}
